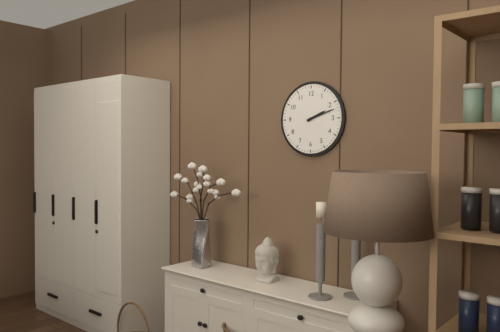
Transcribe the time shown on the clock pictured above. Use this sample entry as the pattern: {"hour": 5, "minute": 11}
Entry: {"hour": 2, "minute": 12}
